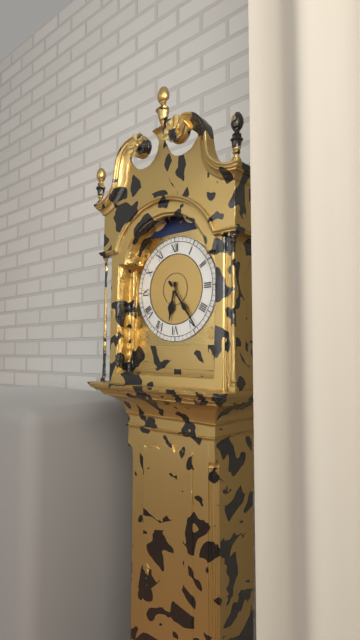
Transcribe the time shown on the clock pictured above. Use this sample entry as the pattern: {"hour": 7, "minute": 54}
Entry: {"hour": 6, "minute": 24}
